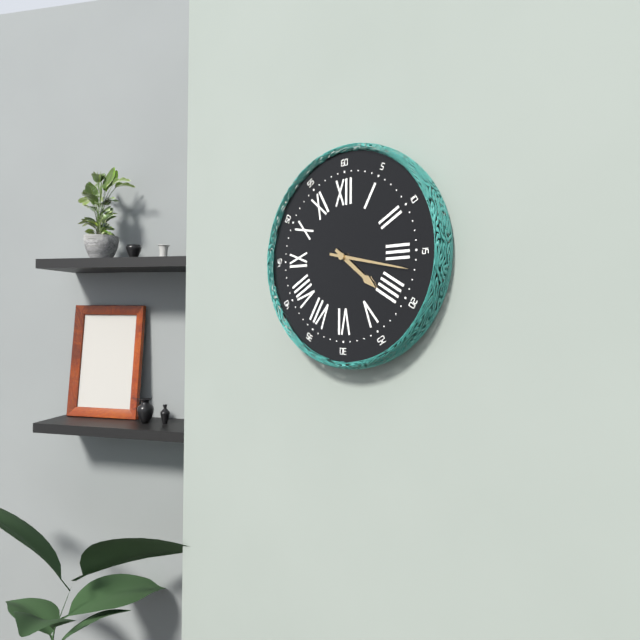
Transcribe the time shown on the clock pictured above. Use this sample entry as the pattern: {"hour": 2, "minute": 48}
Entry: {"hour": 4, "minute": 17}
